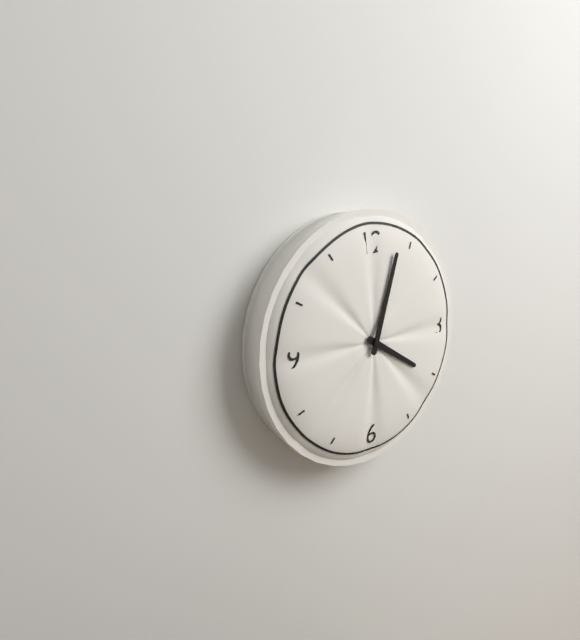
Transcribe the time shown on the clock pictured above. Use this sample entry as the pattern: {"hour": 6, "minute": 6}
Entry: {"hour": 4, "minute": 3}
